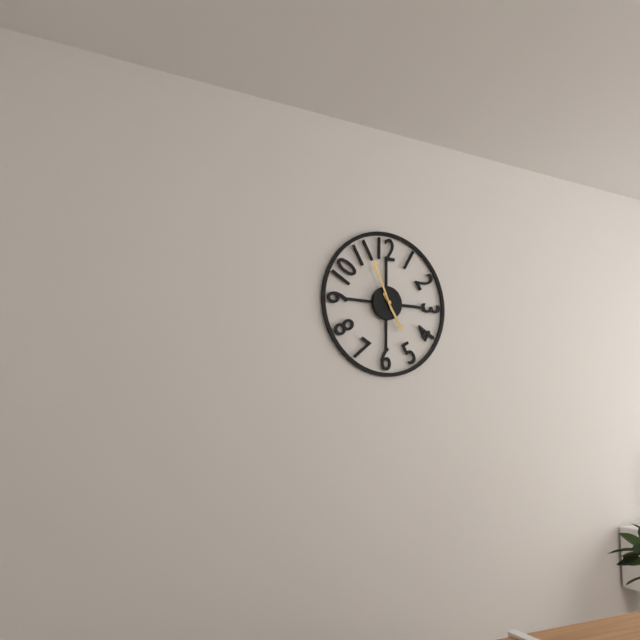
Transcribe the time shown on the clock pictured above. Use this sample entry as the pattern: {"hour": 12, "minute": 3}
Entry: {"hour": 4, "minute": 56}
